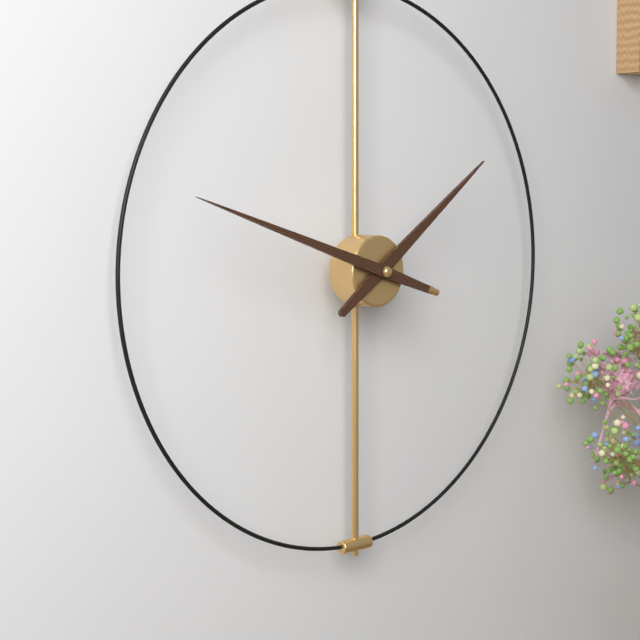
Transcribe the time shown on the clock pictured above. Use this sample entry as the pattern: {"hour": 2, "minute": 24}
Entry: {"hour": 1, "minute": 48}
